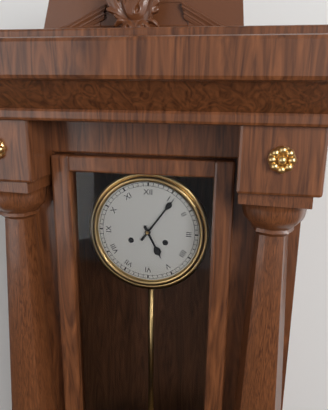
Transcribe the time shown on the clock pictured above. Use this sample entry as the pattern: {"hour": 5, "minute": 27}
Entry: {"hour": 5, "minute": 6}
